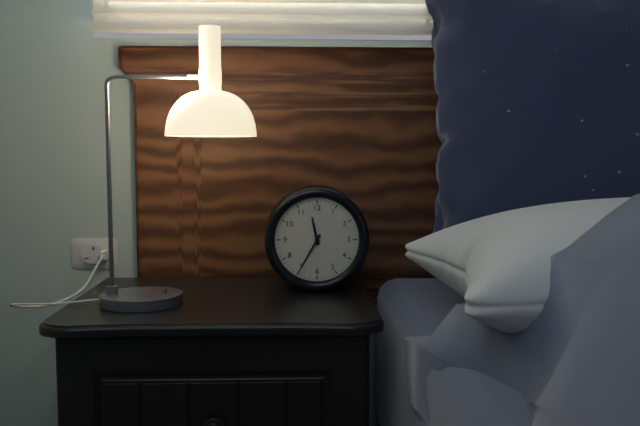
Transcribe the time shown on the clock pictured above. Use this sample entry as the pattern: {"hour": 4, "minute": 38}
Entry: {"hour": 11, "minute": 35}
